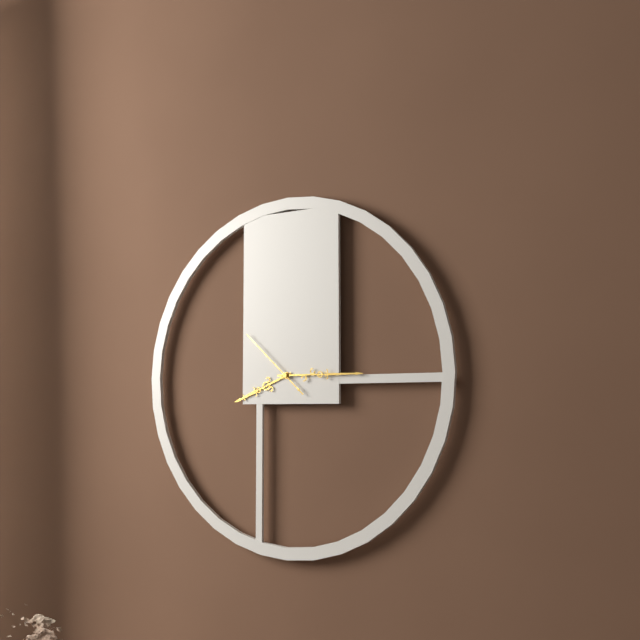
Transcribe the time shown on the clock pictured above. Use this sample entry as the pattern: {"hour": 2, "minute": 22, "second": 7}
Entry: {"hour": 8, "minute": 15, "second": 52}
